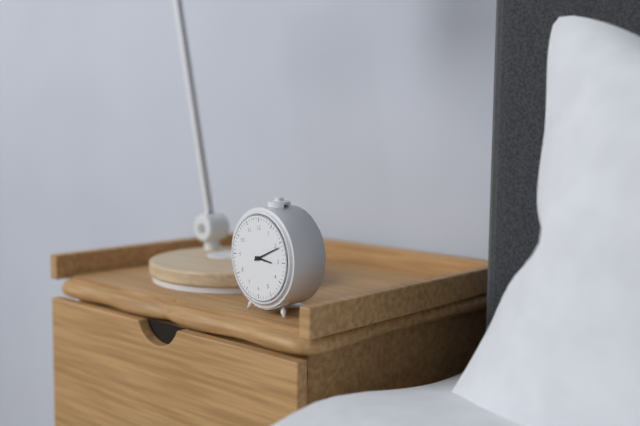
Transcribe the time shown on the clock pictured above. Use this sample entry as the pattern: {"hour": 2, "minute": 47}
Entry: {"hour": 3, "minute": 11}
